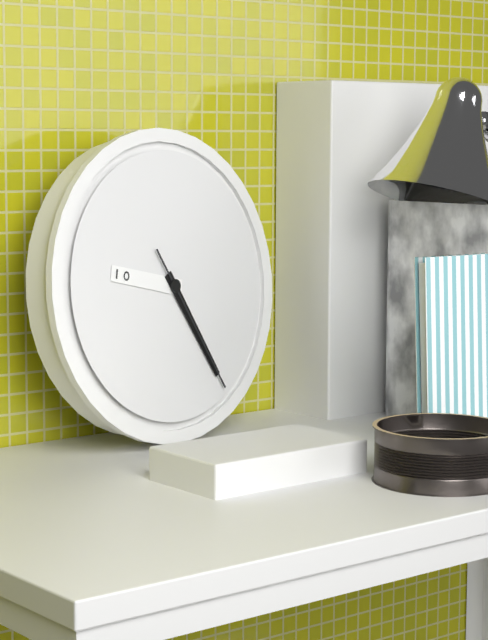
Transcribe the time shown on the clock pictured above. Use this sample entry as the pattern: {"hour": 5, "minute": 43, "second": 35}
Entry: {"hour": 9, "minute": 25, "second": 25}
